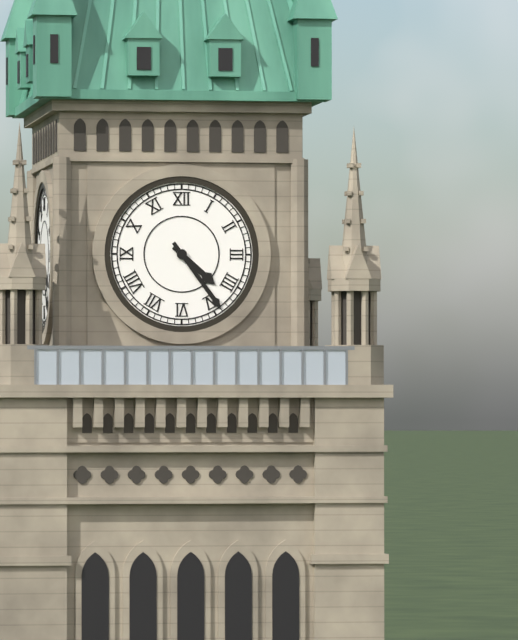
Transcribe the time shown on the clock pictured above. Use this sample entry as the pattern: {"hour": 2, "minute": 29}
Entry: {"hour": 4, "minute": 24}
